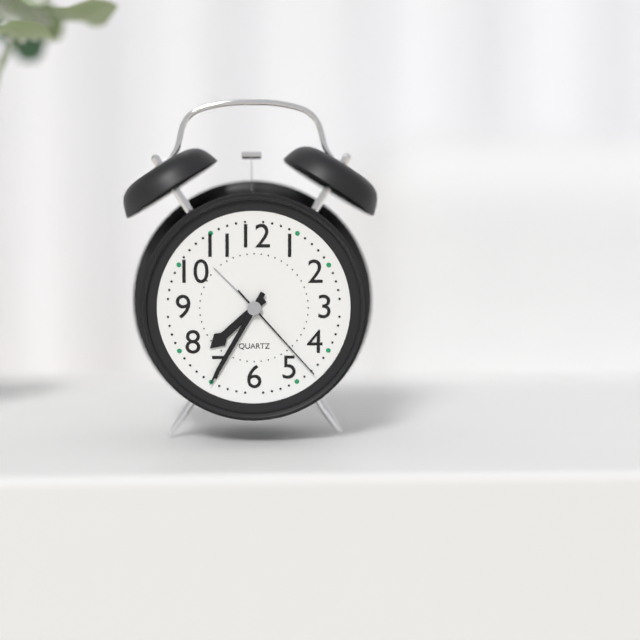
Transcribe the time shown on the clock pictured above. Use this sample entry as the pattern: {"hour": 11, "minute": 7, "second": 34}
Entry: {"hour": 7, "minute": 35, "second": 23}
